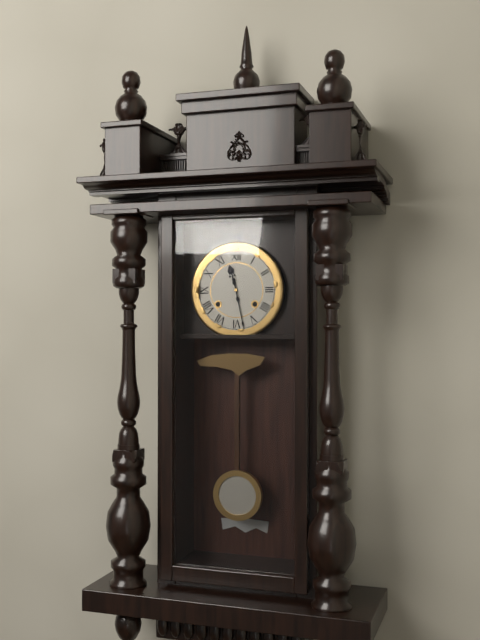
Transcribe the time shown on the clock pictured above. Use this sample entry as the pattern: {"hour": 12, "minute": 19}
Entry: {"hour": 11, "minute": 28}
